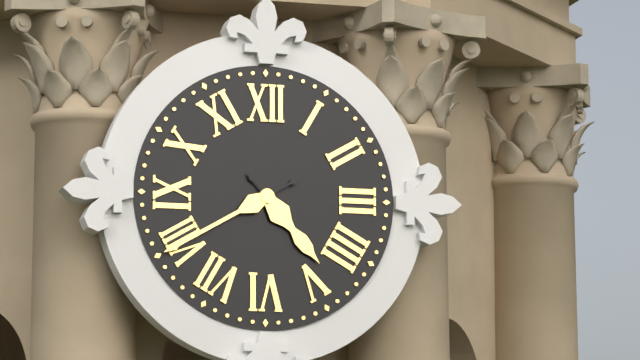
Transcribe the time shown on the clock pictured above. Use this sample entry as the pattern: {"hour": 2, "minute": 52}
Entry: {"hour": 4, "minute": 40}
